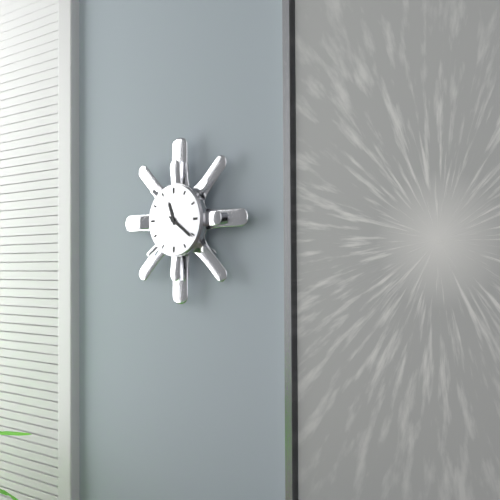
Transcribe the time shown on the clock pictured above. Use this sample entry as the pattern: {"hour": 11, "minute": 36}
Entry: {"hour": 11, "minute": 21}
